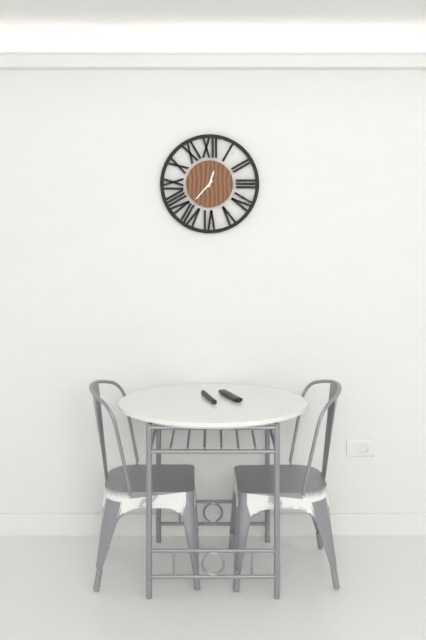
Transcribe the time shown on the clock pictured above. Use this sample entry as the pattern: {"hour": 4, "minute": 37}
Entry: {"hour": 12, "minute": 37}
